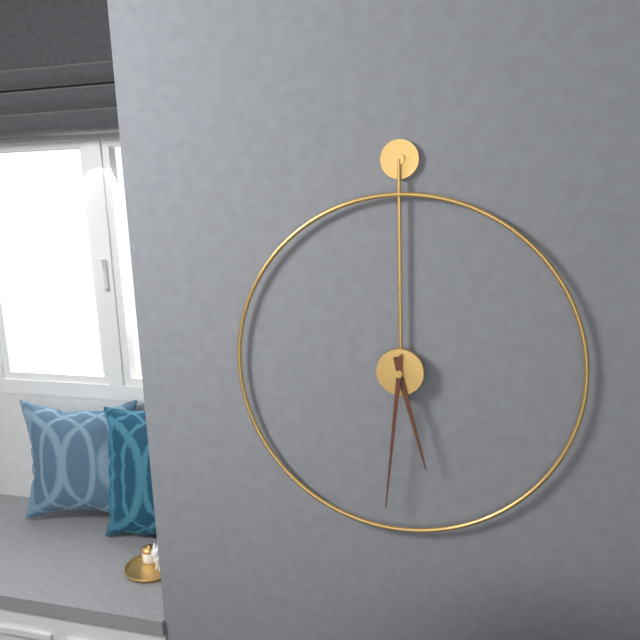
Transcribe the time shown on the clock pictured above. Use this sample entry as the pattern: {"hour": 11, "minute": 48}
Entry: {"hour": 5, "minute": 31}
